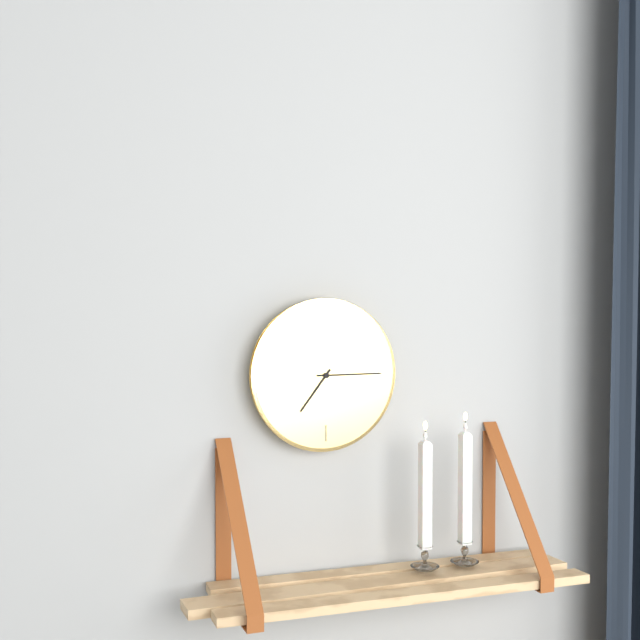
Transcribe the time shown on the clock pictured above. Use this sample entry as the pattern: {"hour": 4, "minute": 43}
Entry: {"hour": 7, "minute": 15}
